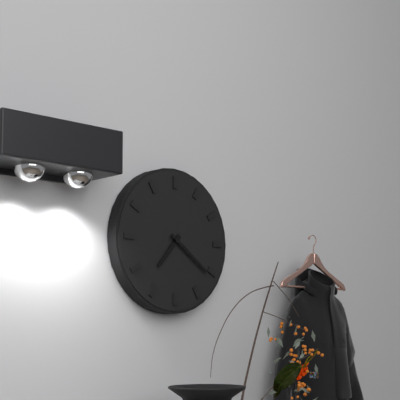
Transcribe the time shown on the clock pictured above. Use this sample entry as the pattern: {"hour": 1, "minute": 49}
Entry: {"hour": 7, "minute": 21}
